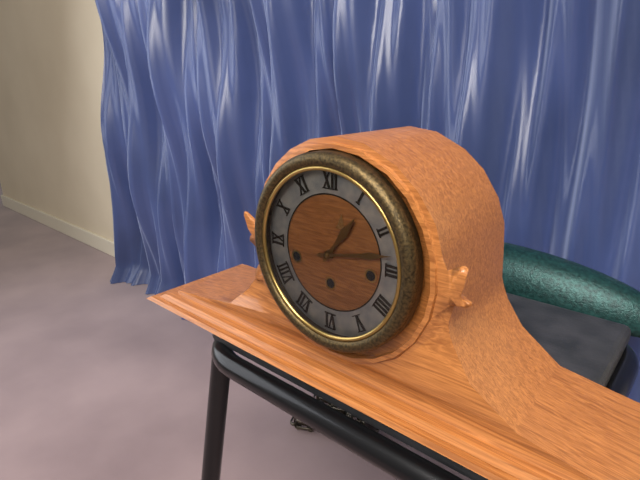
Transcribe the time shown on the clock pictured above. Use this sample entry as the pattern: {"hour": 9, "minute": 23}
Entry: {"hour": 1, "minute": 13}
